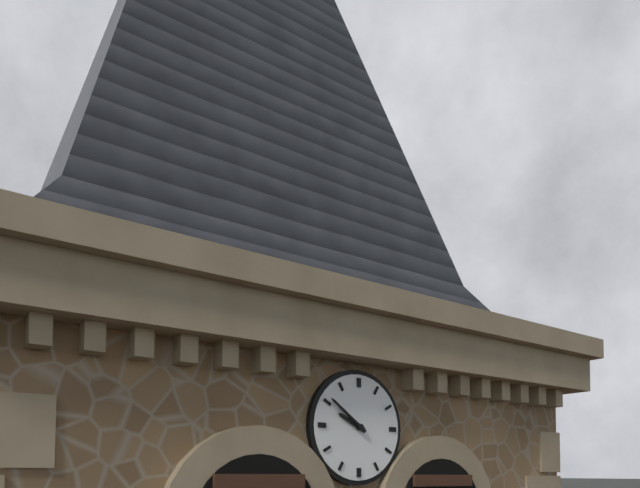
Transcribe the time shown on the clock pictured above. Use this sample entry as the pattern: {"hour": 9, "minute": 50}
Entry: {"hour": 9, "minute": 51}
